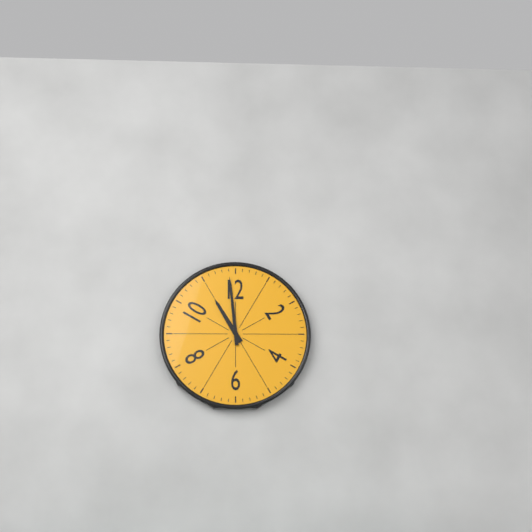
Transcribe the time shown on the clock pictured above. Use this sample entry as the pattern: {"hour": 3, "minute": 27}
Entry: {"hour": 10, "minute": 59}
